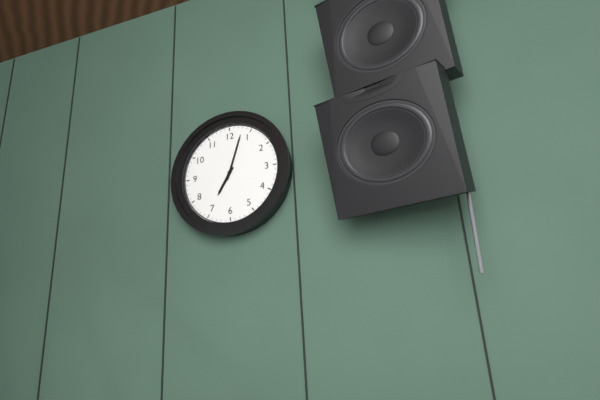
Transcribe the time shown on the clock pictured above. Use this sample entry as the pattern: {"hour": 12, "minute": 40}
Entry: {"hour": 7, "minute": 3}
